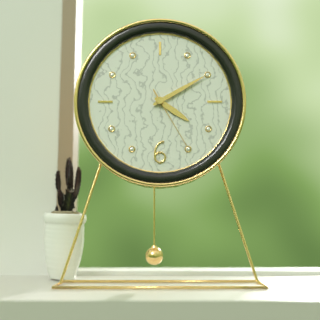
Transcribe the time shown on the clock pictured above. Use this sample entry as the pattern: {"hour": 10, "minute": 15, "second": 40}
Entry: {"hour": 4, "minute": 10, "second": 25}
